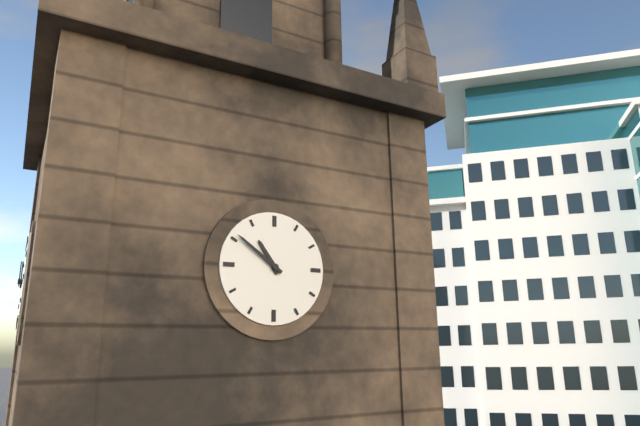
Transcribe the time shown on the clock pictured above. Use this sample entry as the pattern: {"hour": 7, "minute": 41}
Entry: {"hour": 10, "minute": 51}
